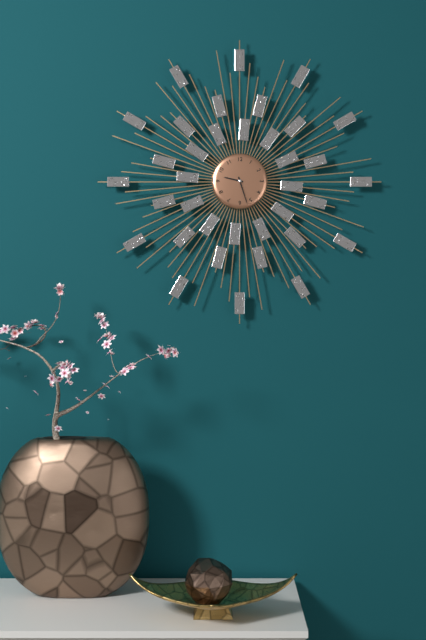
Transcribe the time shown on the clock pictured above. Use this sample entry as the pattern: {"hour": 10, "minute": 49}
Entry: {"hour": 9, "minute": 27}
